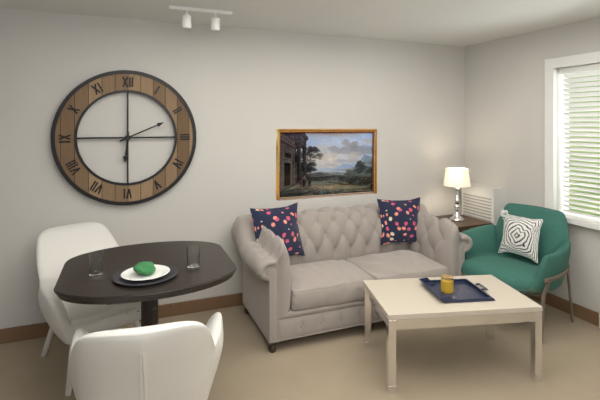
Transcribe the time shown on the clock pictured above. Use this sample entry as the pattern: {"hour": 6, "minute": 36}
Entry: {"hour": 6, "minute": 11}
